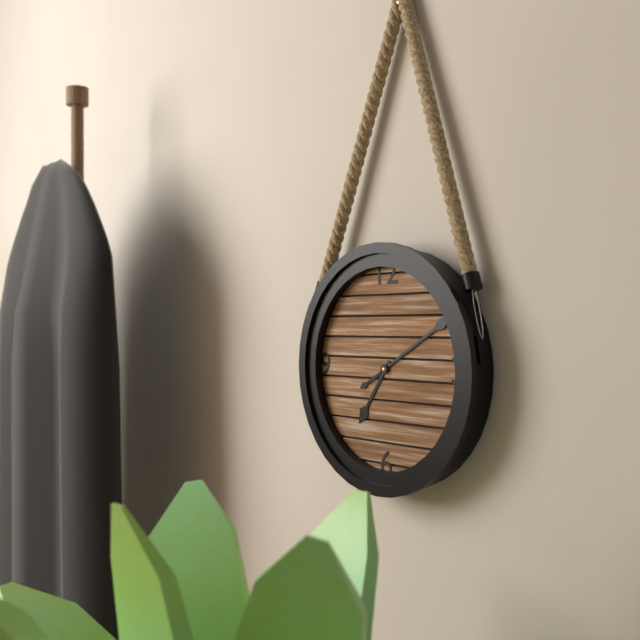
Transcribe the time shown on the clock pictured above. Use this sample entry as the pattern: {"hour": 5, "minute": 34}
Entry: {"hour": 7, "minute": 10}
